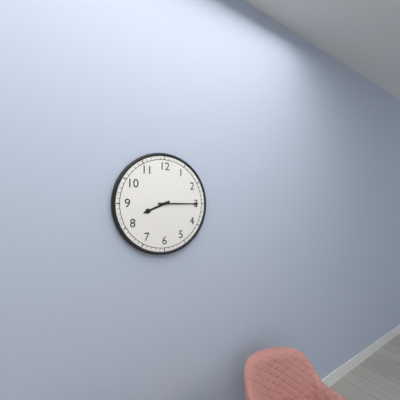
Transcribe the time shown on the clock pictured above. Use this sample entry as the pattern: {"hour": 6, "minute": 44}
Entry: {"hour": 8, "minute": 15}
